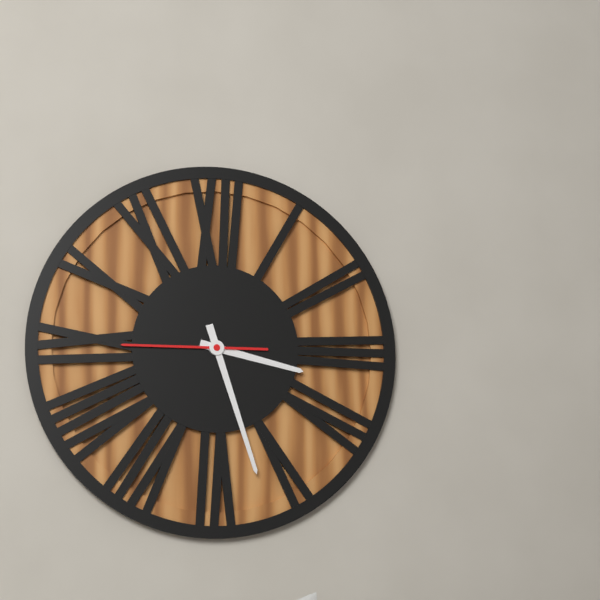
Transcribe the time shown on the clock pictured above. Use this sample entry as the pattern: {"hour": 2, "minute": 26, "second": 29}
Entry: {"hour": 3, "minute": 27, "second": 45}
